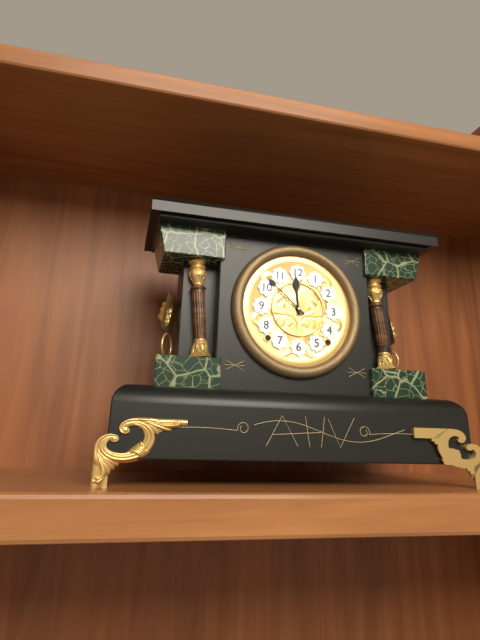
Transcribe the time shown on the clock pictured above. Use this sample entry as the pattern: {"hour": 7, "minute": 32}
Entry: {"hour": 11, "minute": 52}
